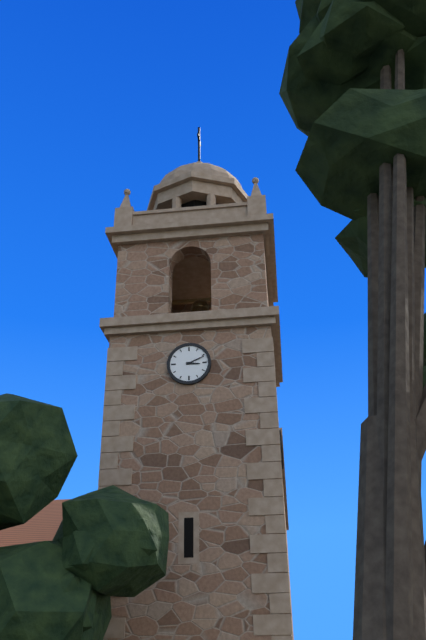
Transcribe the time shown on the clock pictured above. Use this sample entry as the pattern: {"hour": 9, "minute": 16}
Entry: {"hour": 3, "minute": 11}
